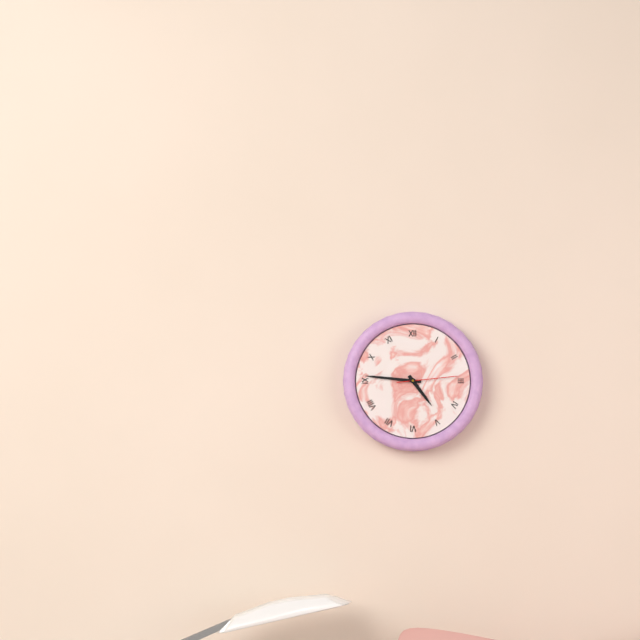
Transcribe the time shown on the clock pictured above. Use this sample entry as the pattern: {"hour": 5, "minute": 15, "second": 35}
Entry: {"hour": 4, "minute": 46, "second": 14}
